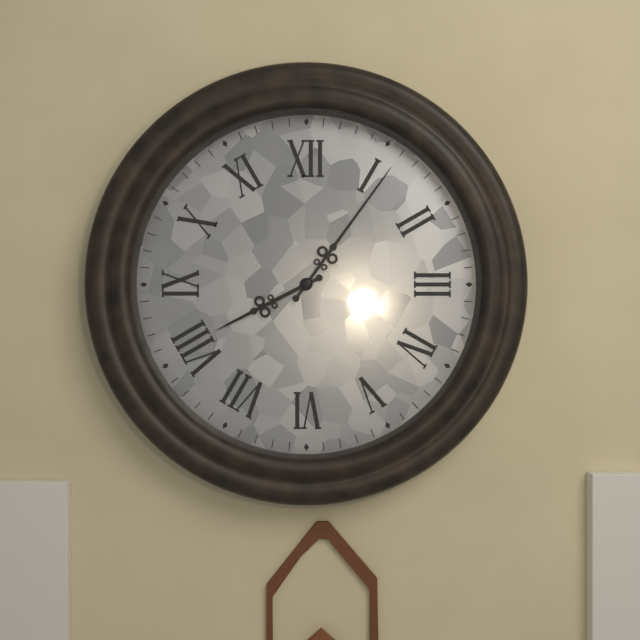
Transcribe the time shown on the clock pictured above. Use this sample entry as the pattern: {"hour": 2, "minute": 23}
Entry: {"hour": 8, "minute": 6}
